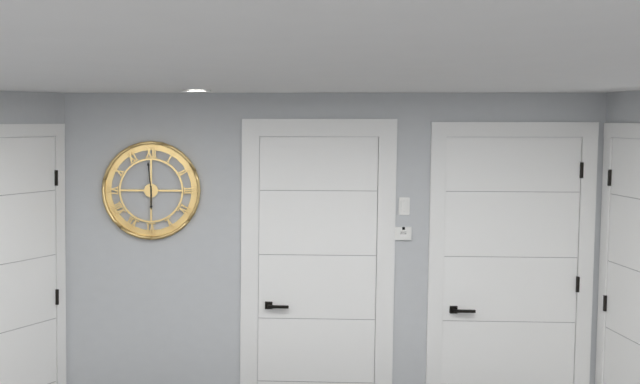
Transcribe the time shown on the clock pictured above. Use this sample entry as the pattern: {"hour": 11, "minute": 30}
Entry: {"hour": 5, "minute": 59}
